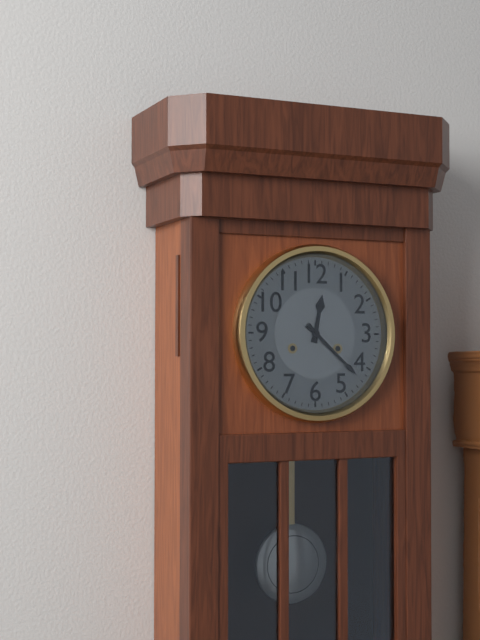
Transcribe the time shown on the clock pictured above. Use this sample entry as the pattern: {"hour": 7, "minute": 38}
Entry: {"hour": 12, "minute": 22}
